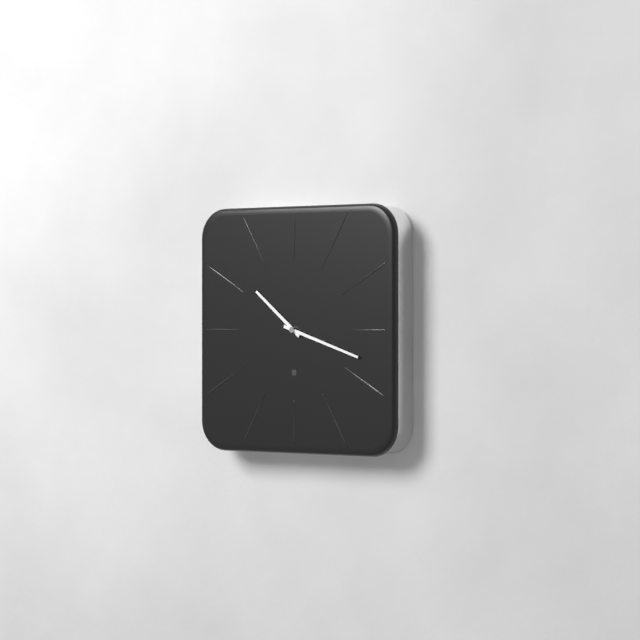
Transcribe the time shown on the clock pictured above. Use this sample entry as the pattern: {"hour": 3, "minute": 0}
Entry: {"hour": 10, "minute": 18}
